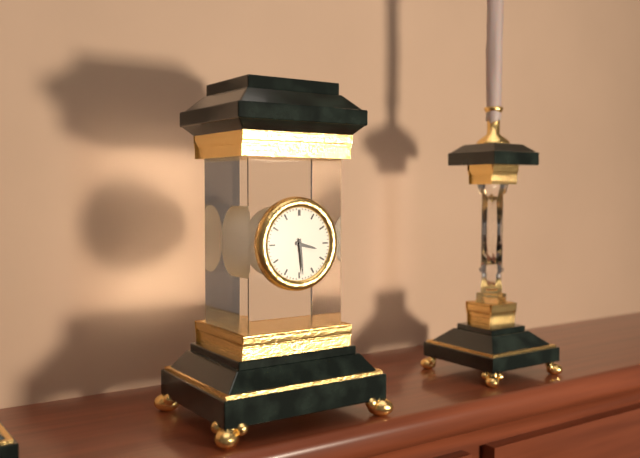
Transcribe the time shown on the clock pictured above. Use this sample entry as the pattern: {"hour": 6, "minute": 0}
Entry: {"hour": 3, "minute": 29}
